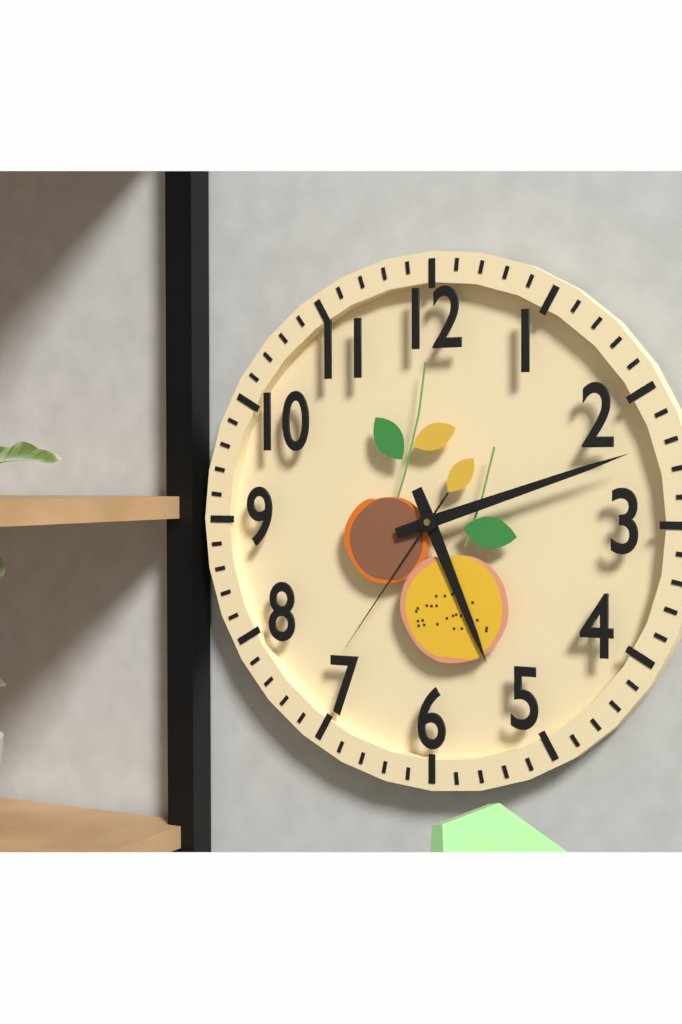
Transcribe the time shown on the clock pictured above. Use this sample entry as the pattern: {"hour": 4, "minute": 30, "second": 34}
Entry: {"hour": 5, "minute": 12, "second": 36}
